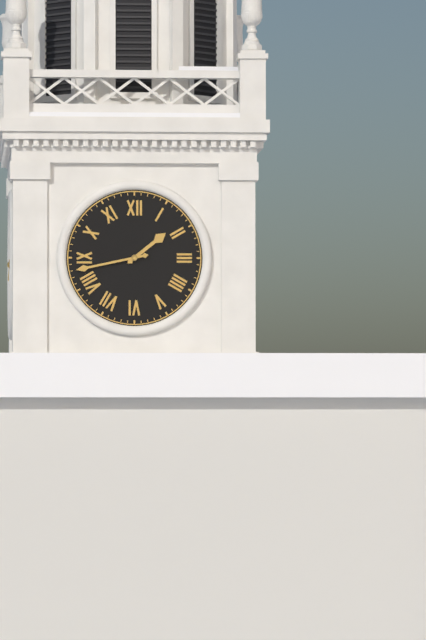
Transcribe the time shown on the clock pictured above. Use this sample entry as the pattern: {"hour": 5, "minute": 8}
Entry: {"hour": 1, "minute": 43}
